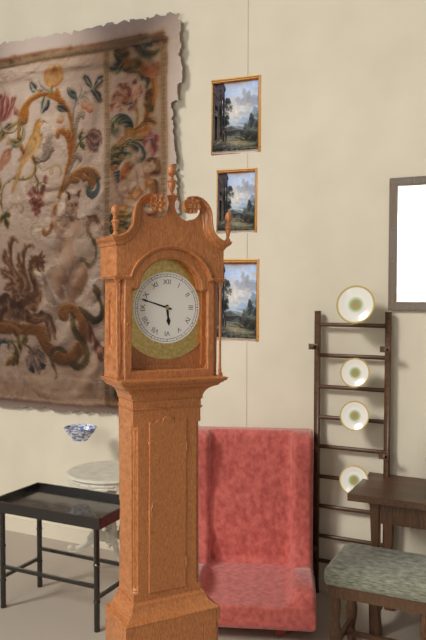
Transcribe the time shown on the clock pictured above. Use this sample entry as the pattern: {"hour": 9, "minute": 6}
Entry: {"hour": 5, "minute": 48}
